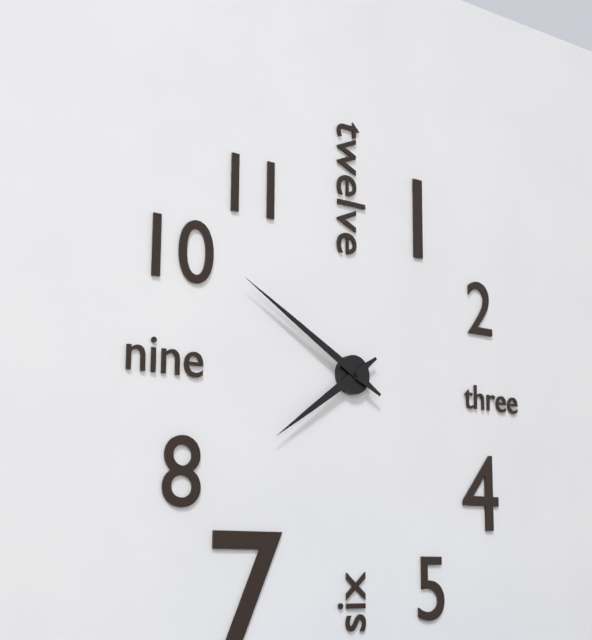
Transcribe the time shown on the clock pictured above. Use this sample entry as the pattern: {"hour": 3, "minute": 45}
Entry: {"hour": 7, "minute": 50}
